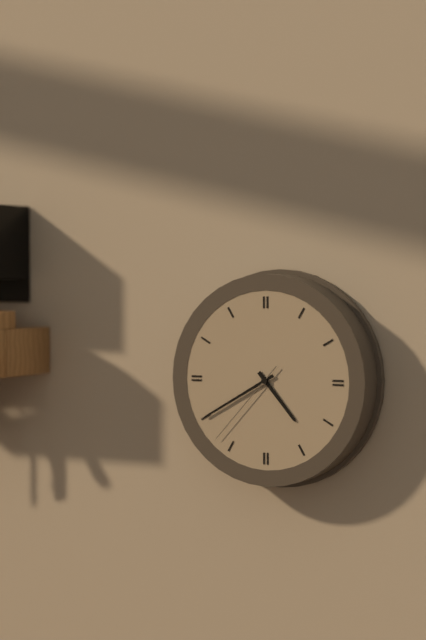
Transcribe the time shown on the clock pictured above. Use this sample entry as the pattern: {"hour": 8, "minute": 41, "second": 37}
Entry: {"hour": 4, "minute": 40, "second": 37}
